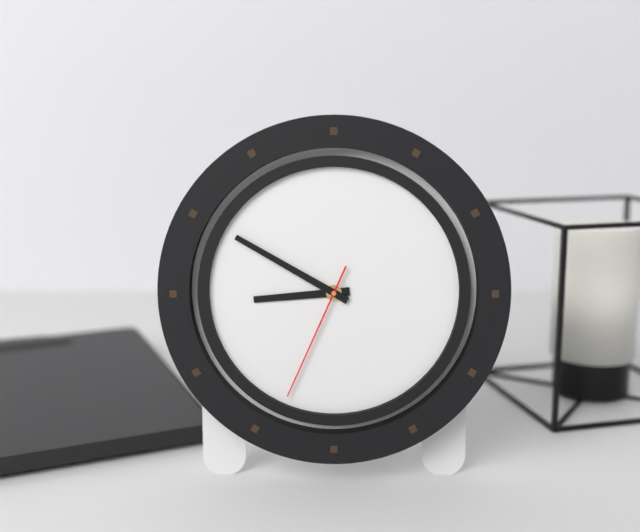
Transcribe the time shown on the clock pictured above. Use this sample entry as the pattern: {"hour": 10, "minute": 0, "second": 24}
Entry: {"hour": 8, "minute": 50, "second": 34}
